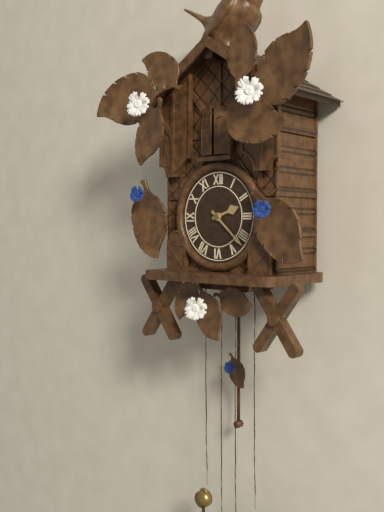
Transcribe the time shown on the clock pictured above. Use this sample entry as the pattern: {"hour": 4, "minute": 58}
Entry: {"hour": 2, "minute": 22}
